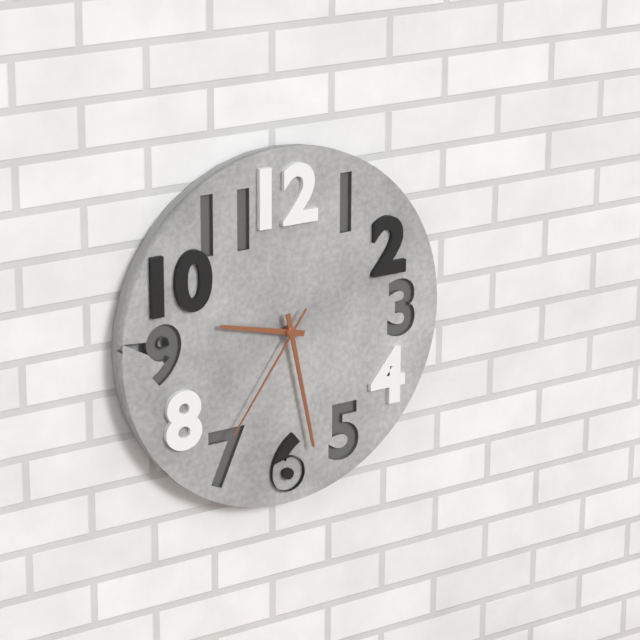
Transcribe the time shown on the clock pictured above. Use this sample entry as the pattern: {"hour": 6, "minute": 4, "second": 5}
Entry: {"hour": 9, "minute": 28, "second": 36}
